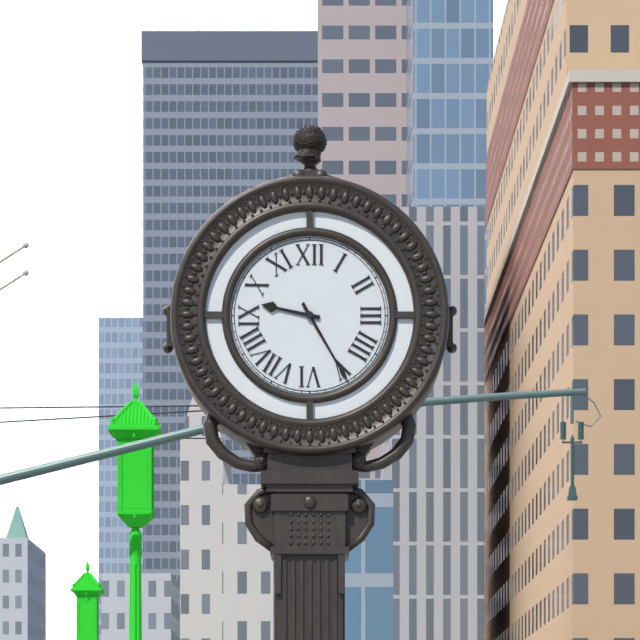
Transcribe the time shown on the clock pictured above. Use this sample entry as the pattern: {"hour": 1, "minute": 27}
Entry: {"hour": 9, "minute": 25}
